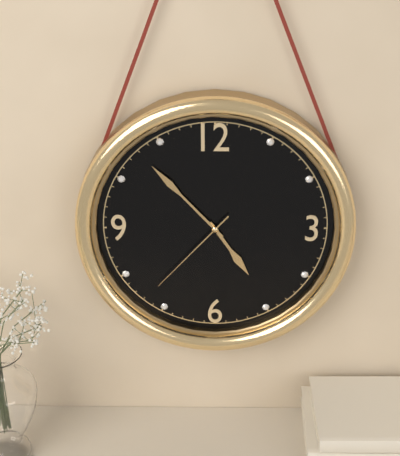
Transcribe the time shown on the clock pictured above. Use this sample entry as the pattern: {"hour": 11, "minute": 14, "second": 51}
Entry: {"hour": 4, "minute": 53, "second": 37}
